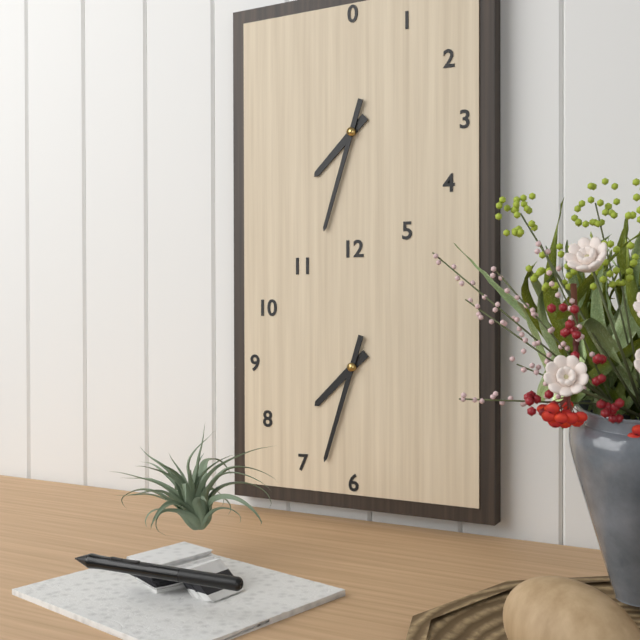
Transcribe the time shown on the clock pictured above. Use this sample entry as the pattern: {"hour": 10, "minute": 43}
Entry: {"hour": 7, "minute": 33}
